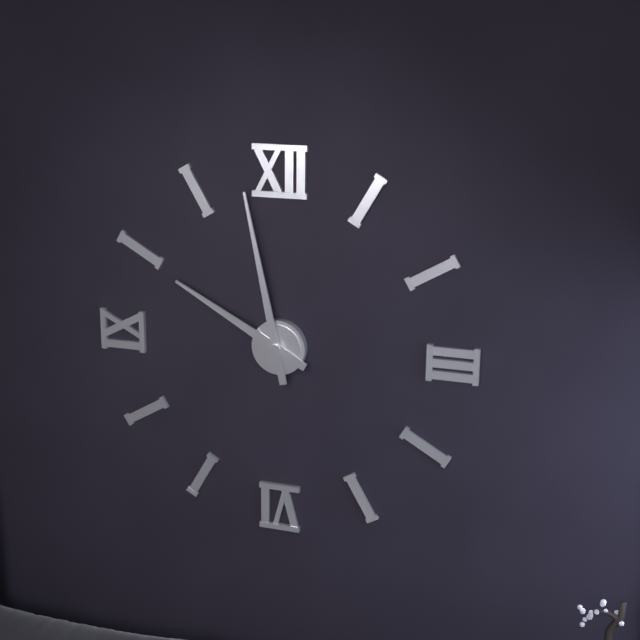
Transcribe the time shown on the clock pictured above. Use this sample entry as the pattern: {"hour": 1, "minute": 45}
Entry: {"hour": 9, "minute": 58}
